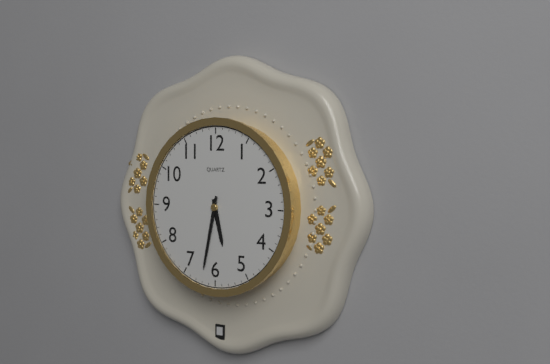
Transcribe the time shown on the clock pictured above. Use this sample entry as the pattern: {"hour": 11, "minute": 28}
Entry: {"hour": 5, "minute": 32}
